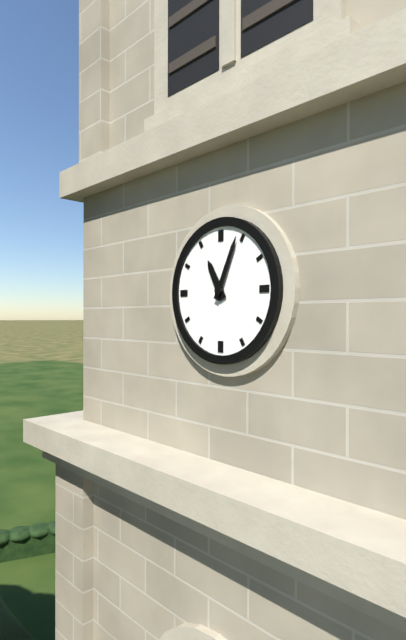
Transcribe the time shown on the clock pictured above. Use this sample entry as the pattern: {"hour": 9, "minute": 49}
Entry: {"hour": 11, "minute": 4}
